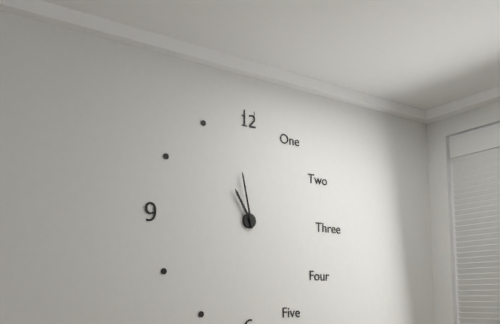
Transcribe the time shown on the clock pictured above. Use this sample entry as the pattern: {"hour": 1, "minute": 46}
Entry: {"hour": 10, "minute": 58}
